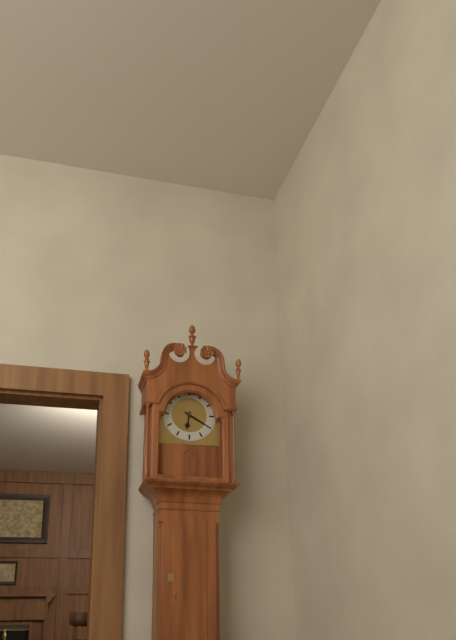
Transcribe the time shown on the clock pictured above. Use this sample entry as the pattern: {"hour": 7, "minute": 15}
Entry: {"hour": 6, "minute": 20}
